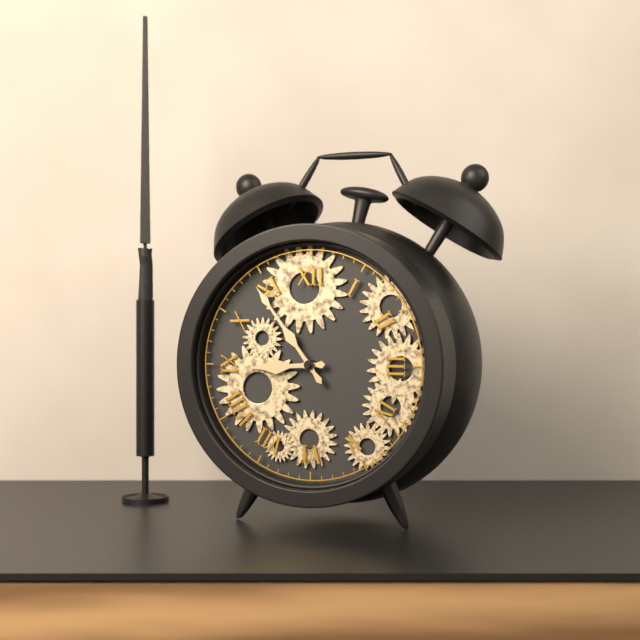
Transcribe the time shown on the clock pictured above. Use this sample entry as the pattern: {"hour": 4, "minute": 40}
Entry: {"hour": 8, "minute": 54}
